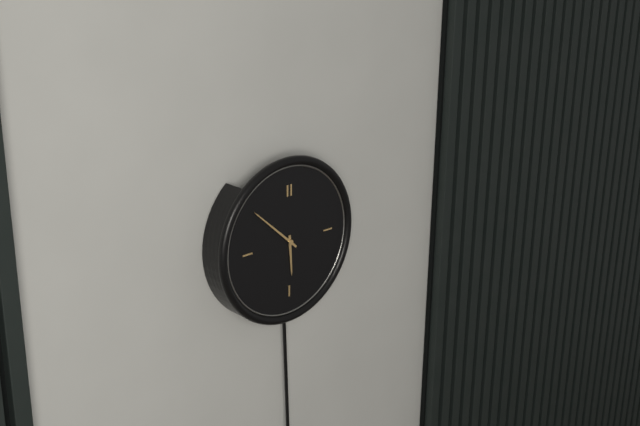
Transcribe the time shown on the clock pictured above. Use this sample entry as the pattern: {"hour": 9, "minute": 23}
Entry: {"hour": 5, "minute": 52}
